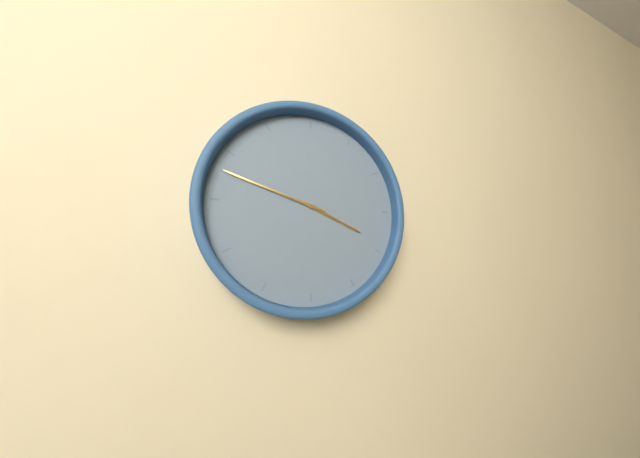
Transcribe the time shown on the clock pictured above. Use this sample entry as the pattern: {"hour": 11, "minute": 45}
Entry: {"hour": 3, "minute": 48}
